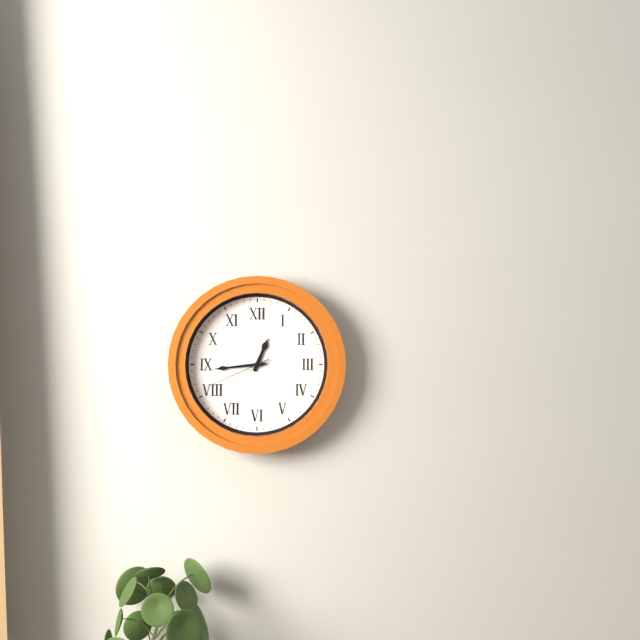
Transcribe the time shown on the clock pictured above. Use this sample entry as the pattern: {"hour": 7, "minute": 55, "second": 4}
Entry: {"hour": 12, "minute": 44, "second": 41}
